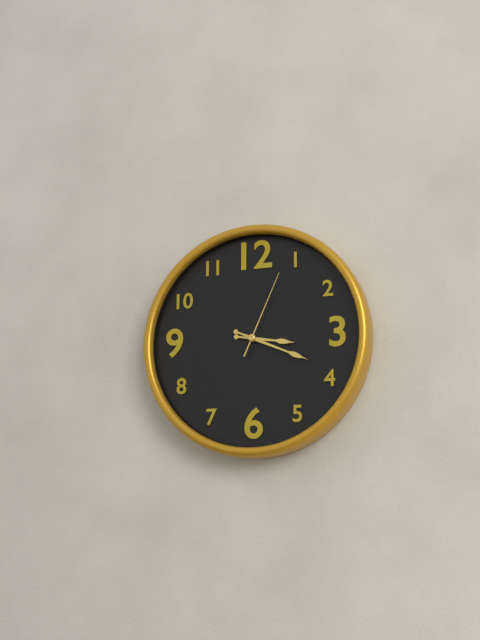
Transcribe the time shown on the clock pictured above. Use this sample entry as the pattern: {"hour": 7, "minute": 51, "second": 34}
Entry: {"hour": 3, "minute": 19, "second": 4}
